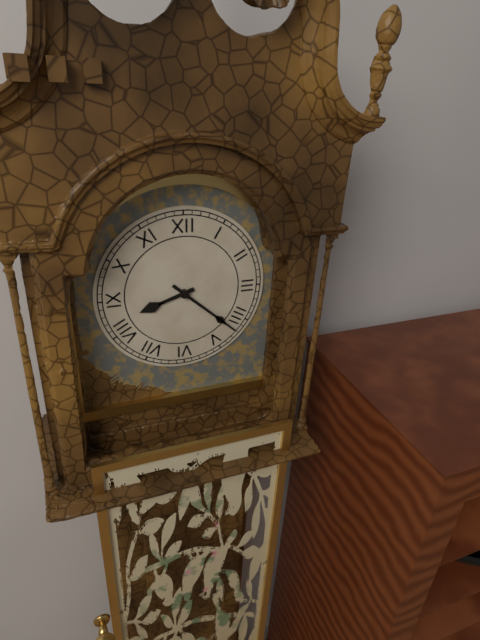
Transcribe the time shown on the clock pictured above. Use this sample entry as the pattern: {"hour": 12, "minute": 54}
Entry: {"hour": 8, "minute": 22}
